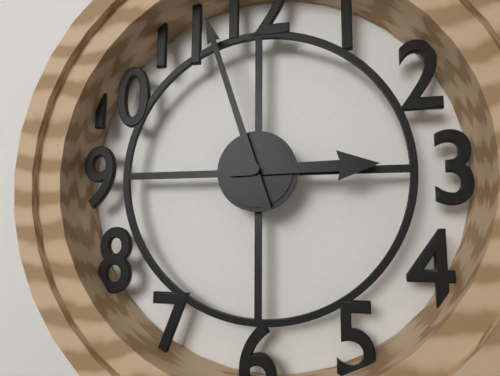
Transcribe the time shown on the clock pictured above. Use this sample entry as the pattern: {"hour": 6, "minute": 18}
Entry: {"hour": 2, "minute": 57}
